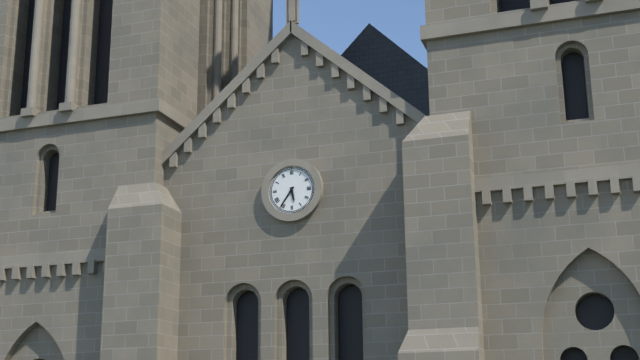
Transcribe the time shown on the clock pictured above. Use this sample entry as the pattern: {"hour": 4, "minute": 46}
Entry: {"hour": 5, "minute": 36}
